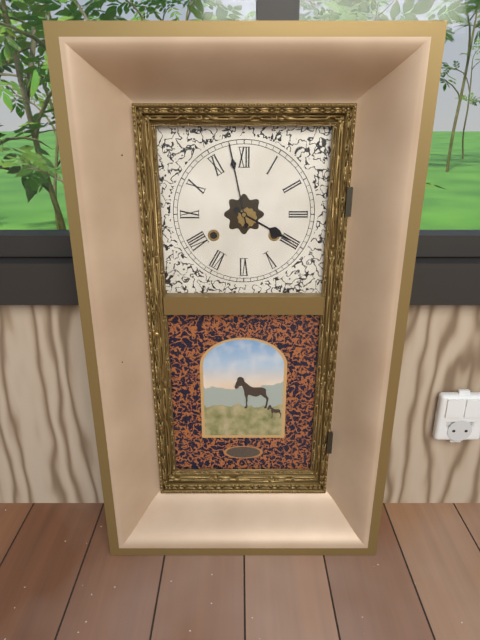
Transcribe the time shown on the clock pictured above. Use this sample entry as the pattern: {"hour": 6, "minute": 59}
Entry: {"hour": 3, "minute": 58}
